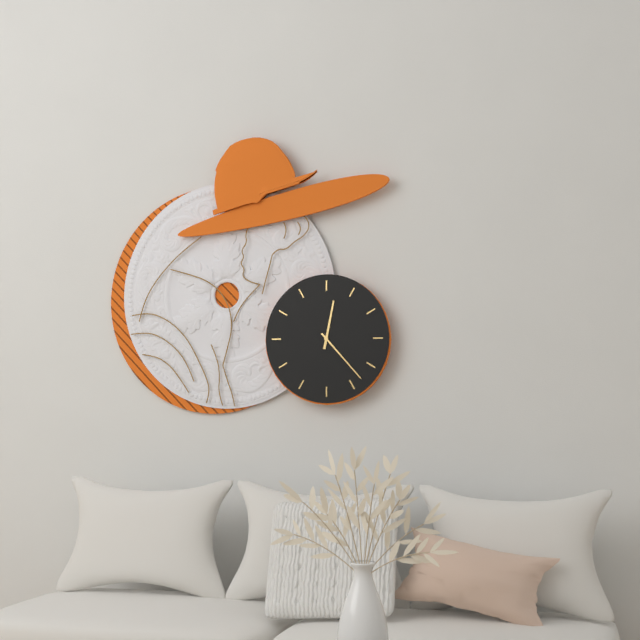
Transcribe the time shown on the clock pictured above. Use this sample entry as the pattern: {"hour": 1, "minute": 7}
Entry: {"hour": 12, "minute": 23}
